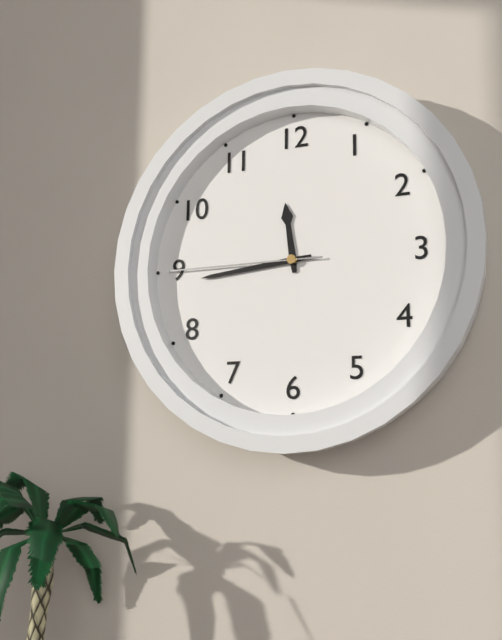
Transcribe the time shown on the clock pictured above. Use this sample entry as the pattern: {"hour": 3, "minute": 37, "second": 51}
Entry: {"hour": 11, "minute": 44, "second": 45}
